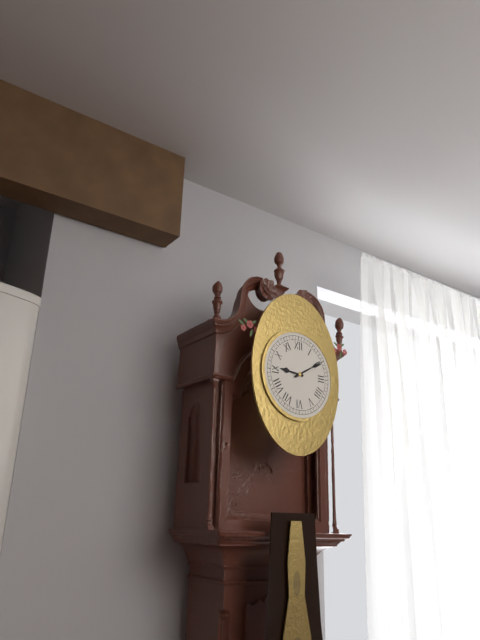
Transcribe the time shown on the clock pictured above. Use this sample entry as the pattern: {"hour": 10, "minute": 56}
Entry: {"hour": 9, "minute": 10}
